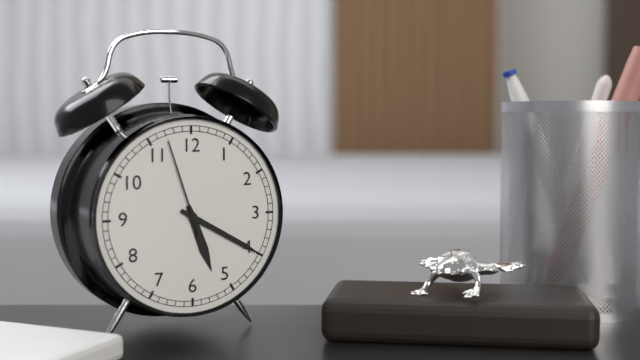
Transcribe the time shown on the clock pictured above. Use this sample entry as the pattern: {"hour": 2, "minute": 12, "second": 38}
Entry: {"hour": 5, "minute": 20, "second": 57}
